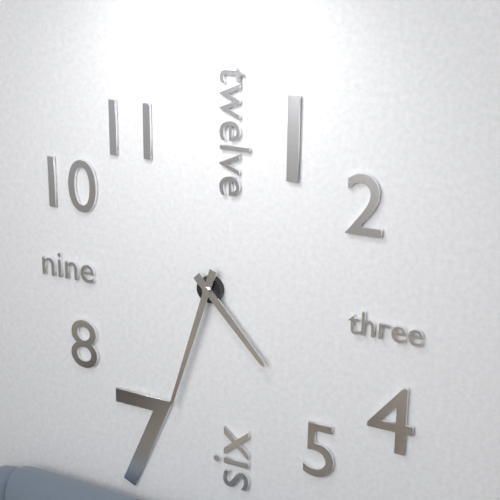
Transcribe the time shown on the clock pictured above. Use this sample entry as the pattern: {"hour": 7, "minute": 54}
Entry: {"hour": 4, "minute": 33}
